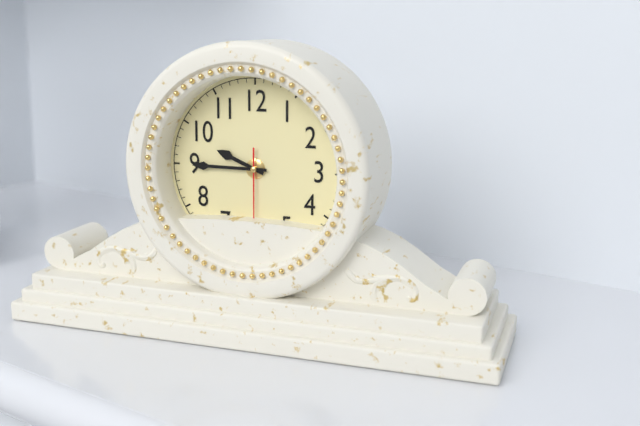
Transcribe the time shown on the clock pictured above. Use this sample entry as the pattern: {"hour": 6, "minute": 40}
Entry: {"hour": 9, "minute": 45}
